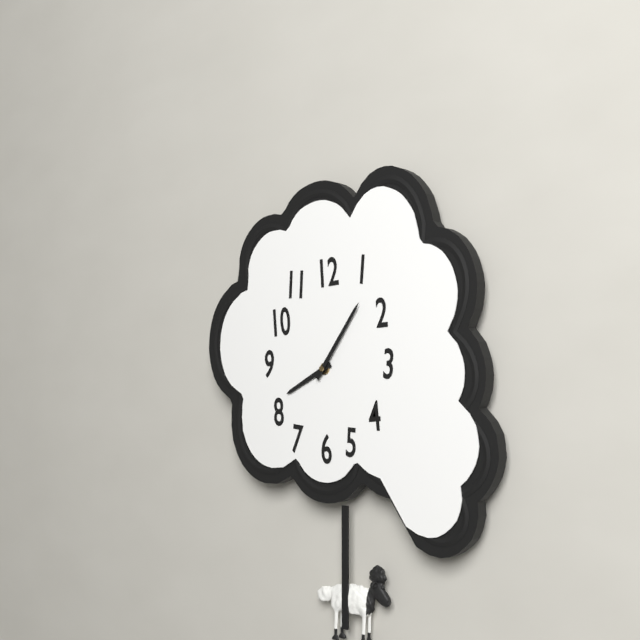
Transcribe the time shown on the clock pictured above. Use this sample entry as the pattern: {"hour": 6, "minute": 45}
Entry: {"hour": 8, "minute": 6}
